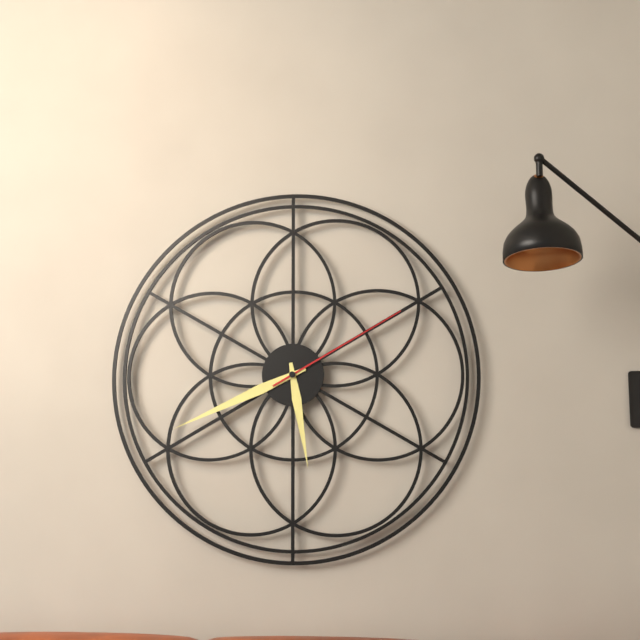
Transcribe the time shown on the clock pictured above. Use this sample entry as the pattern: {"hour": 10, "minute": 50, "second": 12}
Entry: {"hour": 5, "minute": 41, "second": 10}
